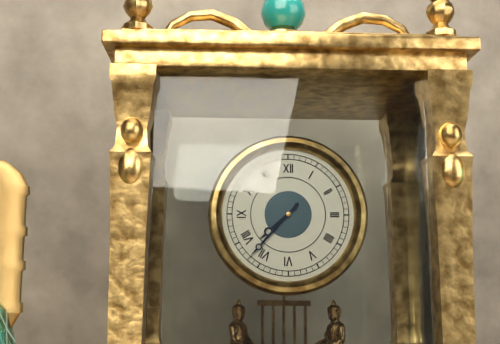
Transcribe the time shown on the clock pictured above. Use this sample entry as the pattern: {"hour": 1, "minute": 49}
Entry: {"hour": 7, "minute": 37}
